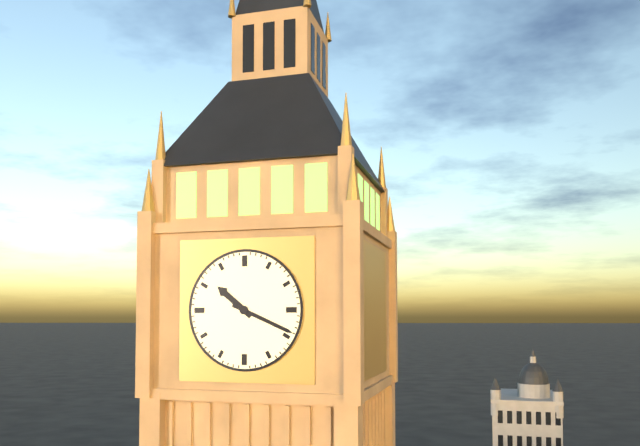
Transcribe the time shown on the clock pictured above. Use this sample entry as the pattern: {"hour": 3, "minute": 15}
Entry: {"hour": 10, "minute": 19}
